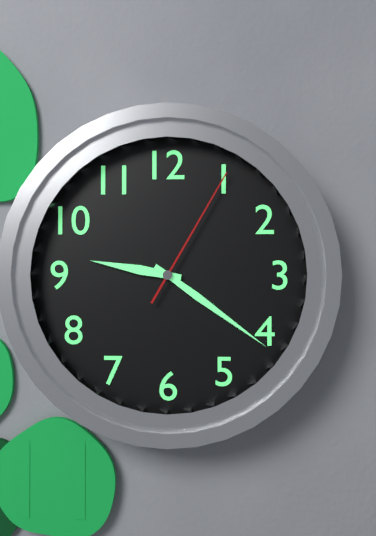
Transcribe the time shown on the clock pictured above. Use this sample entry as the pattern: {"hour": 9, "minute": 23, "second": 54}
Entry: {"hour": 9, "minute": 21, "second": 5}
